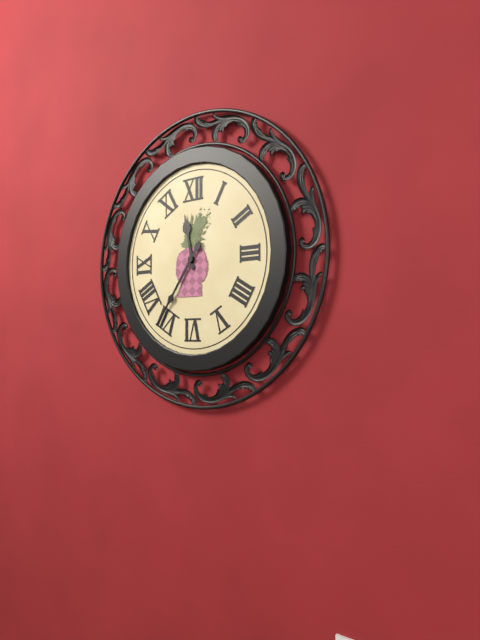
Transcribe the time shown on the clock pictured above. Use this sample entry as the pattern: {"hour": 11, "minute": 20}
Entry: {"hour": 11, "minute": 36}
